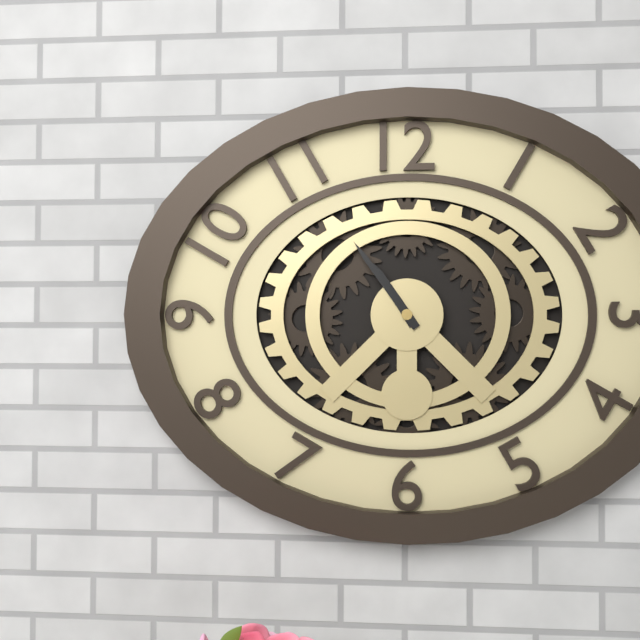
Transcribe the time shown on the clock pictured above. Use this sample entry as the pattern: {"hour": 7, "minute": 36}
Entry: {"hour": 10, "minute": 54}
